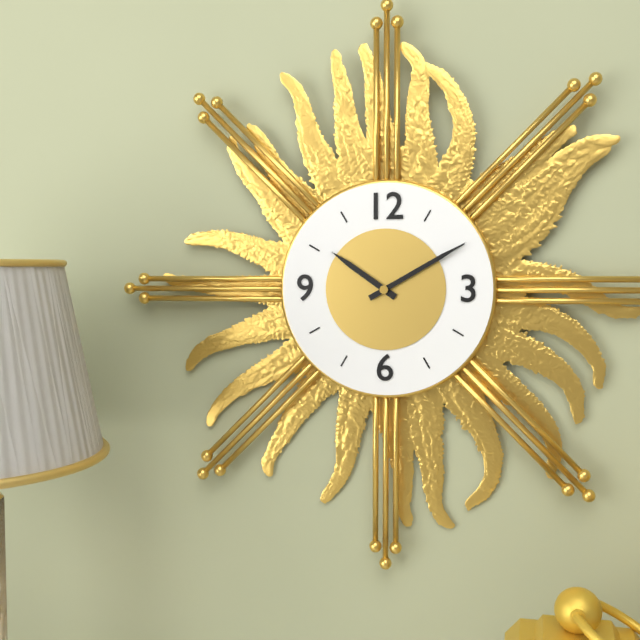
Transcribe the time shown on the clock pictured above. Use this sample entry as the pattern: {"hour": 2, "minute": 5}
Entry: {"hour": 10, "minute": 10}
